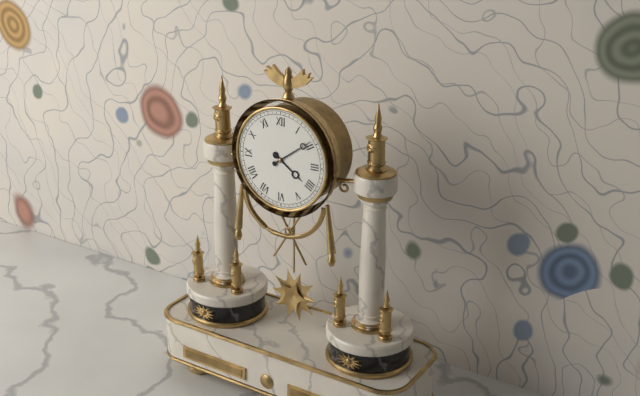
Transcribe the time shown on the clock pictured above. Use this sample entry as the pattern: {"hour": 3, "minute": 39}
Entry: {"hour": 4, "minute": 9}
